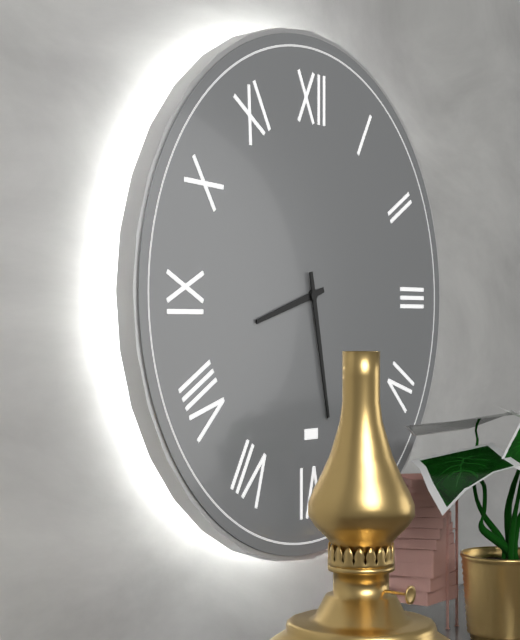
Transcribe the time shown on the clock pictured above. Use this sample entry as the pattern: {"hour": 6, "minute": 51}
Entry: {"hour": 8, "minute": 28}
